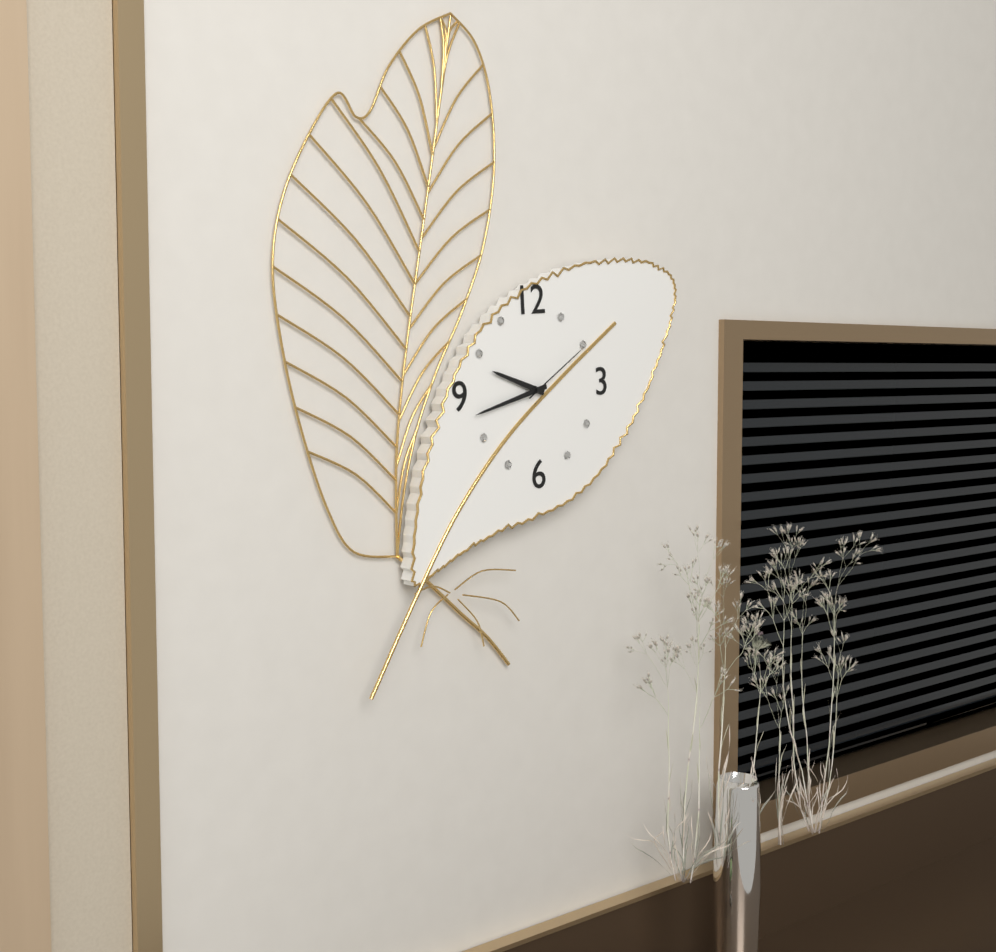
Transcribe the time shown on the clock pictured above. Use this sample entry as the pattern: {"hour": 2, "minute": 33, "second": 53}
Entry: {"hour": 9, "minute": 43, "second": 10}
